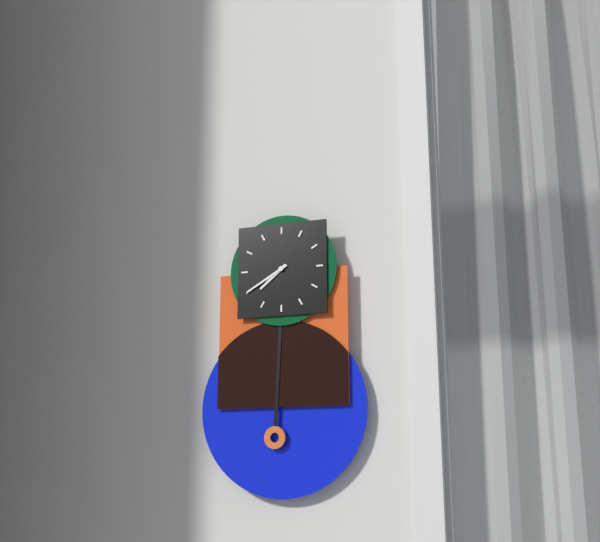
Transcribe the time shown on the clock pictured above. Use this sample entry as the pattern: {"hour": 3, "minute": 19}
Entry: {"hour": 7, "minute": 40}
